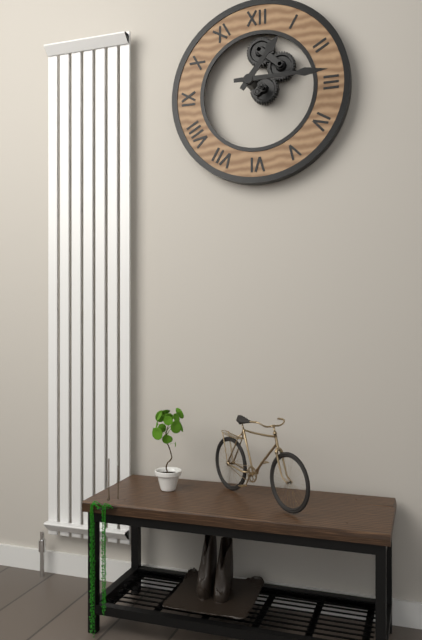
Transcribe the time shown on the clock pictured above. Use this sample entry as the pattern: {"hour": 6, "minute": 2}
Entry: {"hour": 1, "minute": 15}
